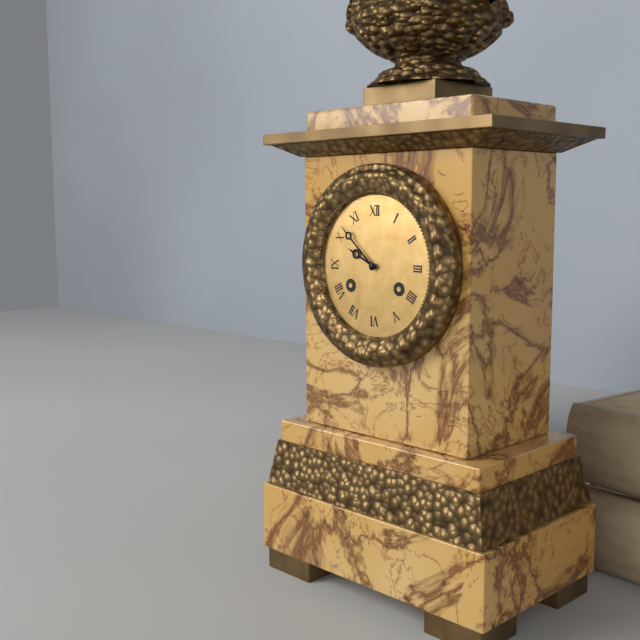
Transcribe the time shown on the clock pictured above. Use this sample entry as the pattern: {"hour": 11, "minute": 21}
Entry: {"hour": 9, "minute": 52}
